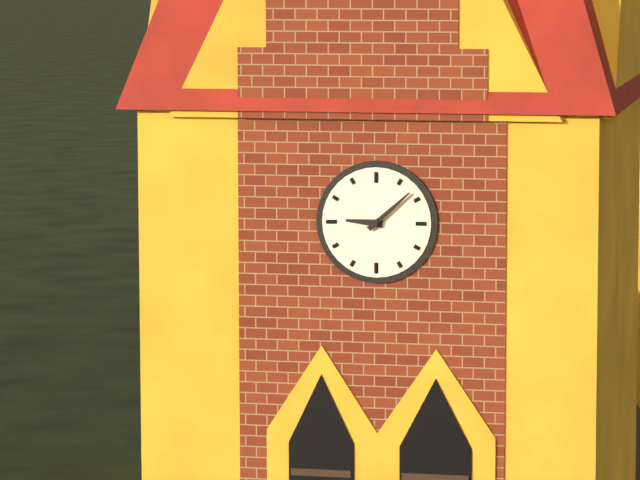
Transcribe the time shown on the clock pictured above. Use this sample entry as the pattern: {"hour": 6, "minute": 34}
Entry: {"hour": 9, "minute": 8}
